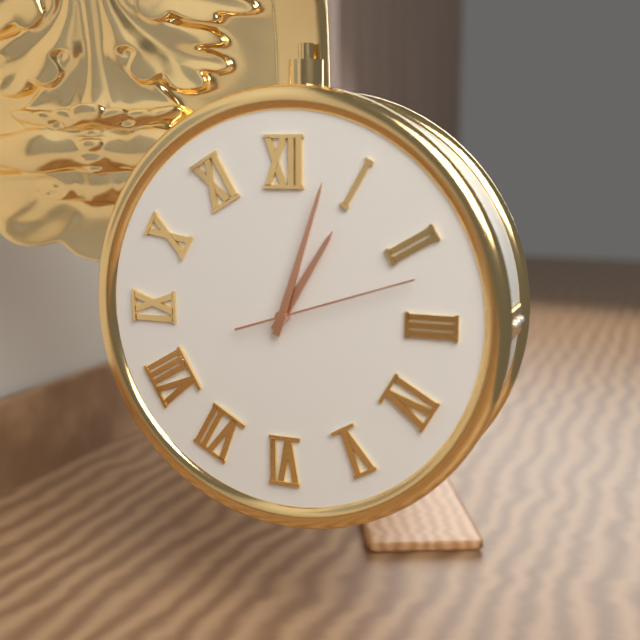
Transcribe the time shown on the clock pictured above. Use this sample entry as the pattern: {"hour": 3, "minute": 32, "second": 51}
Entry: {"hour": 1, "minute": 3, "second": 12}
